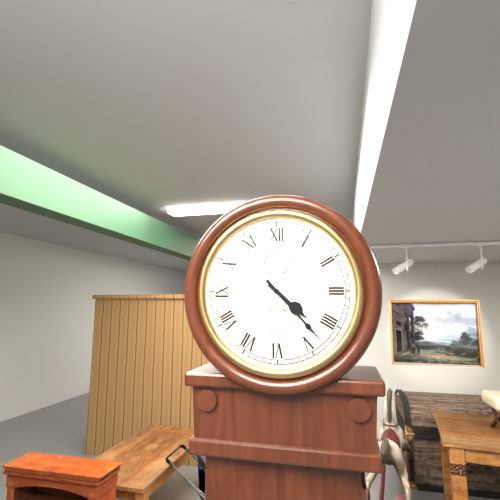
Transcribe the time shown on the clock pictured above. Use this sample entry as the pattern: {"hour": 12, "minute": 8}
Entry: {"hour": 4, "minute": 23}
